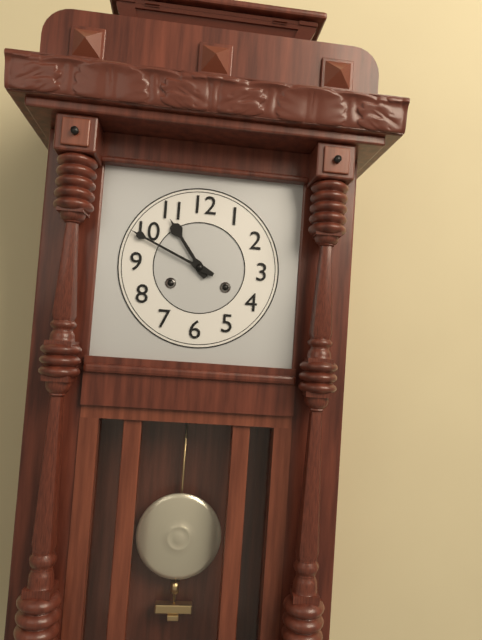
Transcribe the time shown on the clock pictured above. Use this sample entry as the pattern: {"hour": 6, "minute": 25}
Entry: {"hour": 10, "minute": 49}
